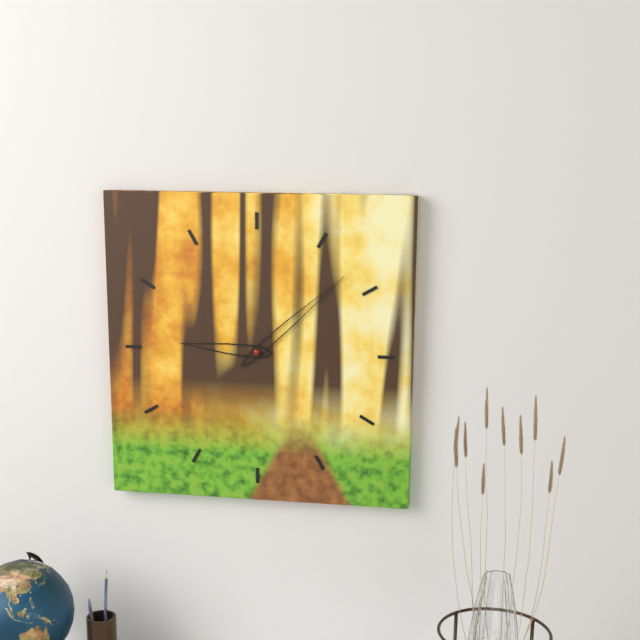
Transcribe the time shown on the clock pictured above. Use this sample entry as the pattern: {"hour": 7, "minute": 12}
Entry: {"hour": 9, "minute": 8}
